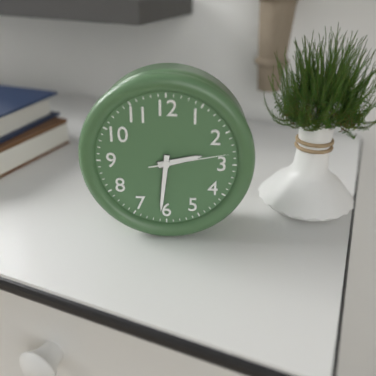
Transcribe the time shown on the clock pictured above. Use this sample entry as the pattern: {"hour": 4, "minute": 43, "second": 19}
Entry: {"hour": 2, "minute": 31, "second": 13}
